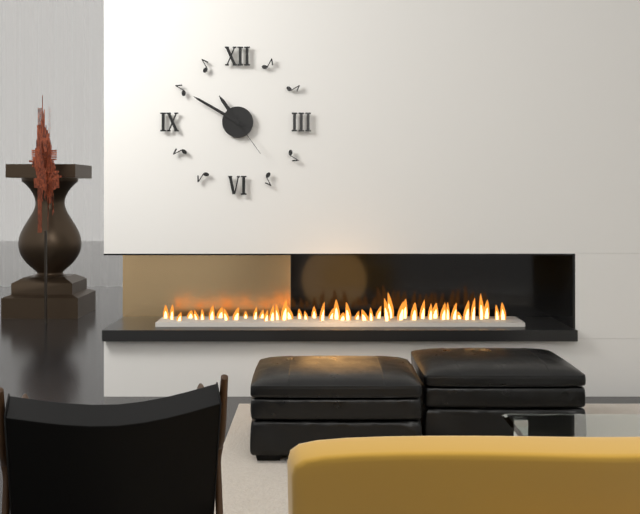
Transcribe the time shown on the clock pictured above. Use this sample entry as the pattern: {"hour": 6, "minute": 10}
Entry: {"hour": 10, "minute": 50}
